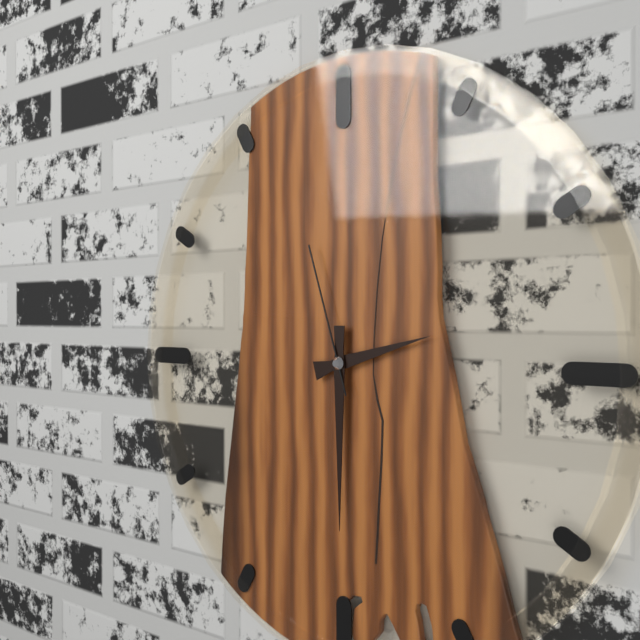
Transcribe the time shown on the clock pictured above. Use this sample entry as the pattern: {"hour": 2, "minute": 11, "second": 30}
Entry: {"hour": 2, "minute": 30, "second": 57}
